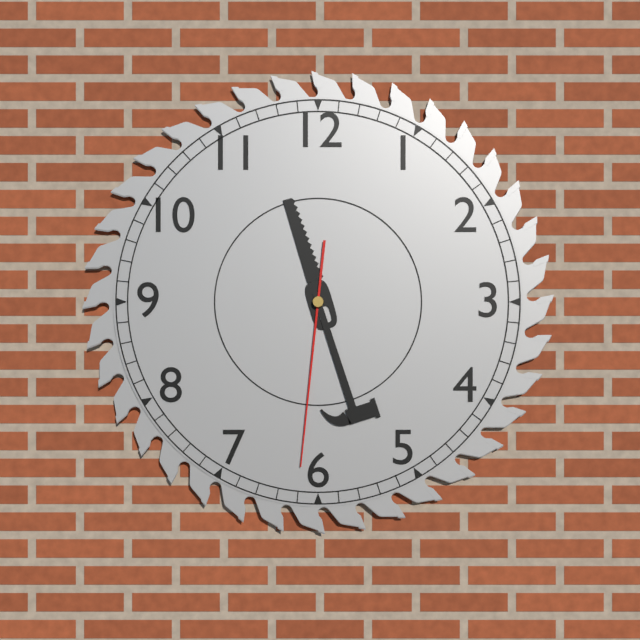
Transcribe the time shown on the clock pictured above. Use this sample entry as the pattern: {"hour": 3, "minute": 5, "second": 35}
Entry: {"hour": 11, "minute": 27, "second": 31}
